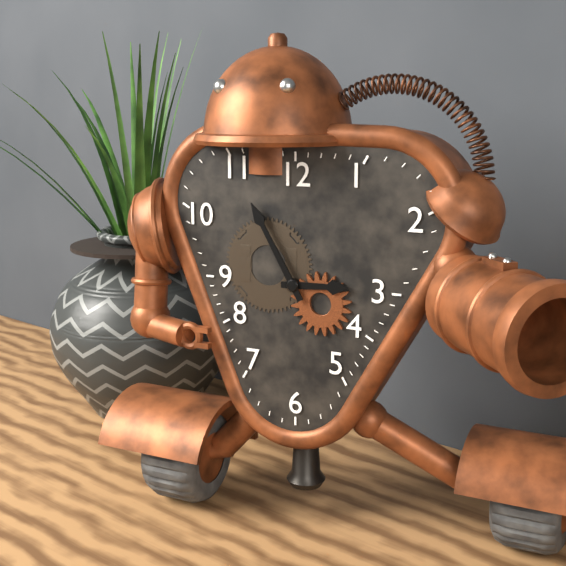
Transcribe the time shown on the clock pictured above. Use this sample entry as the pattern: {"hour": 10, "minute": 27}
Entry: {"hour": 2, "minute": 55}
